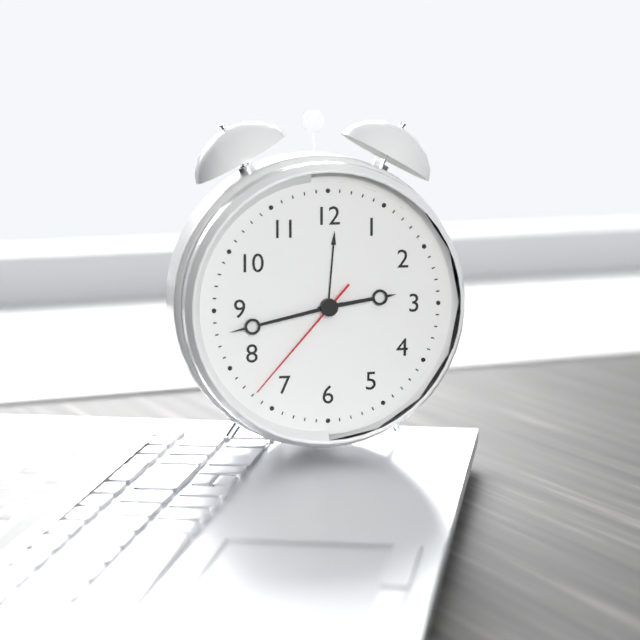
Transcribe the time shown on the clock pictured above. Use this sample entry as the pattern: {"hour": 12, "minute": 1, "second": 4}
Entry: {"hour": 2, "minute": 43, "second": 37}
